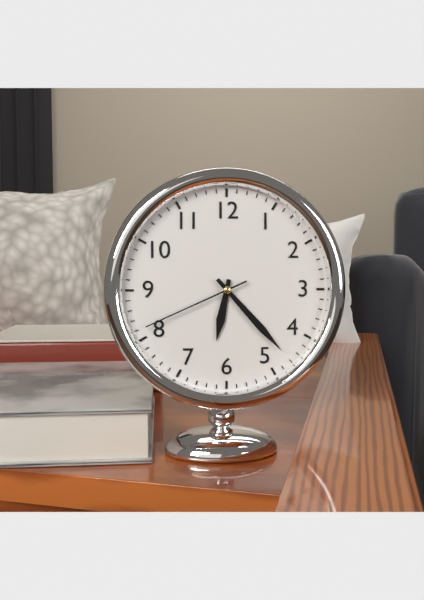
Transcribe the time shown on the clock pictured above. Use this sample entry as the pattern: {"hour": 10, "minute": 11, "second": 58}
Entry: {"hour": 6, "minute": 23, "second": 41}
